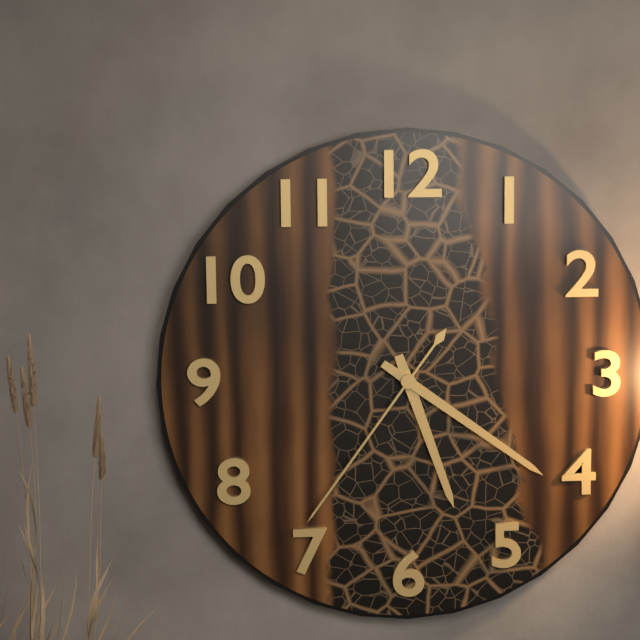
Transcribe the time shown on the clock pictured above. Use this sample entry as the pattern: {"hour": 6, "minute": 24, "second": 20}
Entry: {"hour": 5, "minute": 21, "second": 36}
